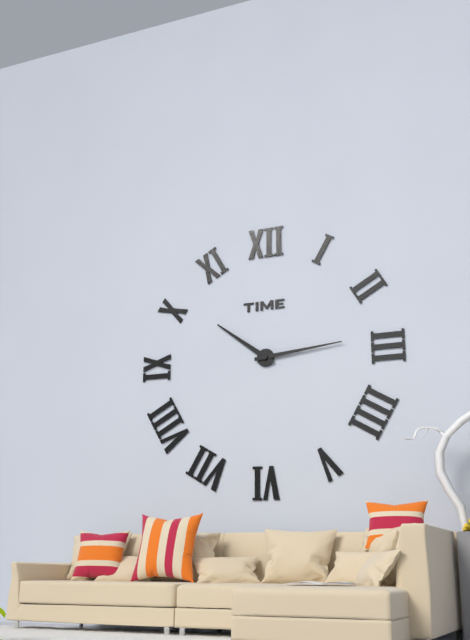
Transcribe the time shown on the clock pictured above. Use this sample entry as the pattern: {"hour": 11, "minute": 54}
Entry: {"hour": 10, "minute": 14}
